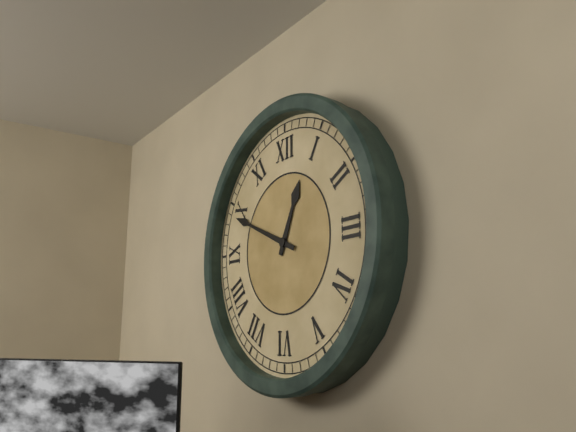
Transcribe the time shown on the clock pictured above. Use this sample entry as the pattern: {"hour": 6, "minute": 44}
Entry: {"hour": 12, "minute": 49}
